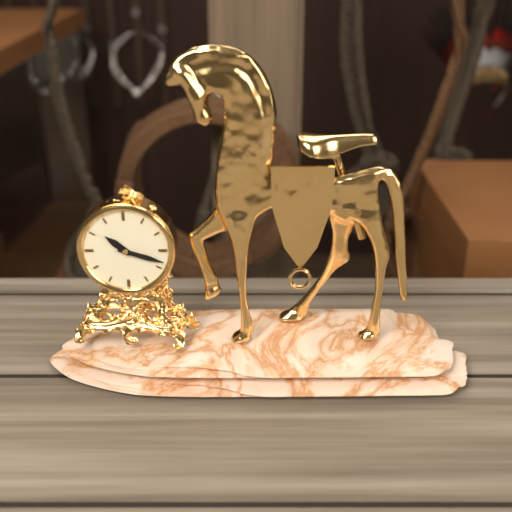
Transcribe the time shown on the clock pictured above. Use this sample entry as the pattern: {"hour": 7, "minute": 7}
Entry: {"hour": 10, "minute": 18}
